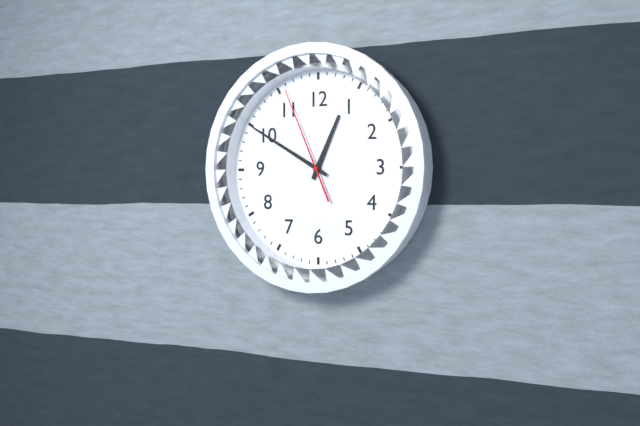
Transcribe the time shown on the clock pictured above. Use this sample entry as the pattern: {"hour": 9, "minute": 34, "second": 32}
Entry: {"hour": 12, "minute": 50, "second": 56}
